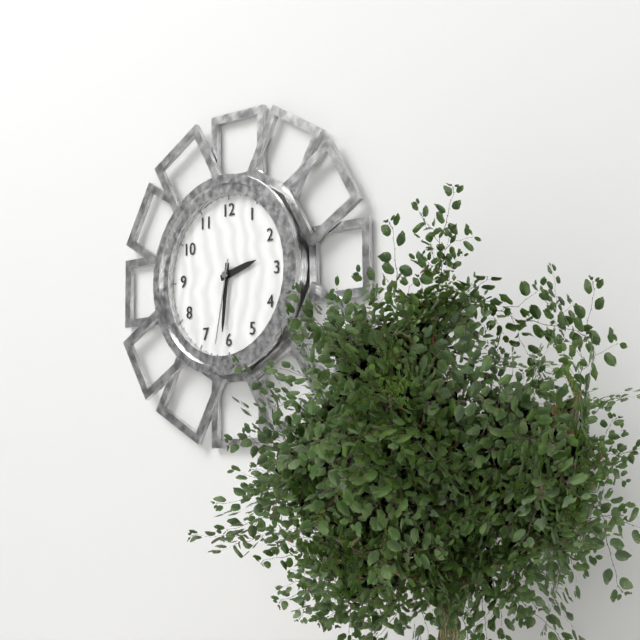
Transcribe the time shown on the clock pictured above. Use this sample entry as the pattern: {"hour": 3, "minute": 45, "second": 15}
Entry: {"hour": 2, "minute": 31, "second": 32}
